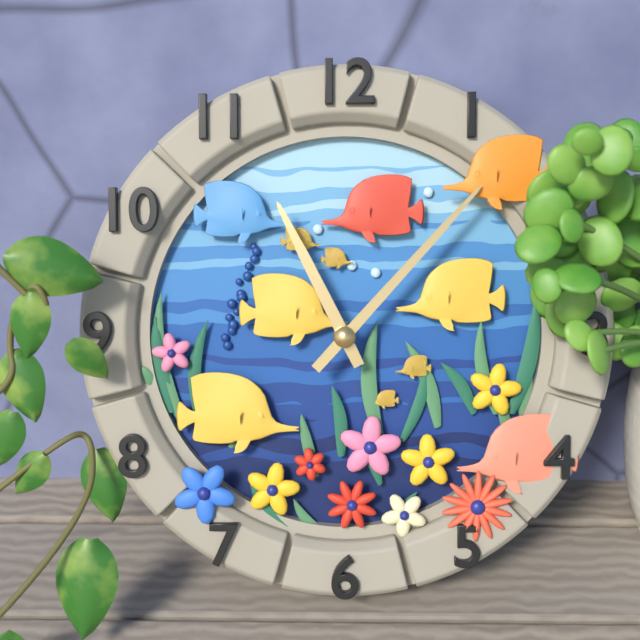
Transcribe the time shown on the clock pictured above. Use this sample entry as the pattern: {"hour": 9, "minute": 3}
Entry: {"hour": 11, "minute": 7}
